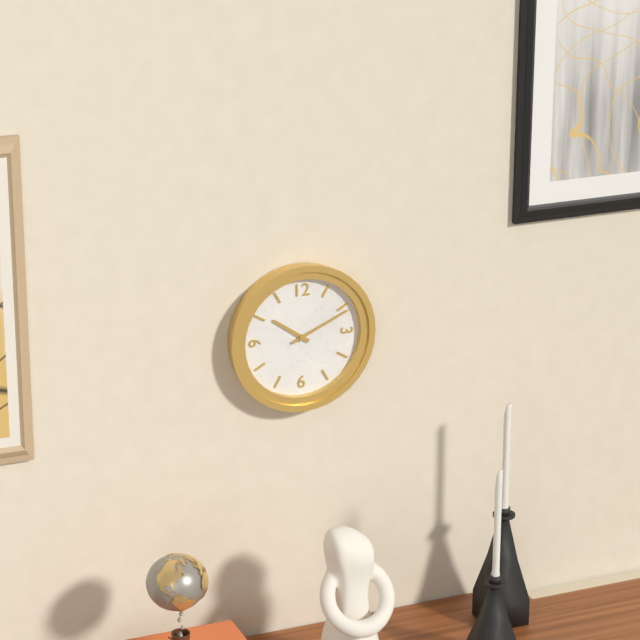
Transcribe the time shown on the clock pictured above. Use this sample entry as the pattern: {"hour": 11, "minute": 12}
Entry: {"hour": 10, "minute": 11}
